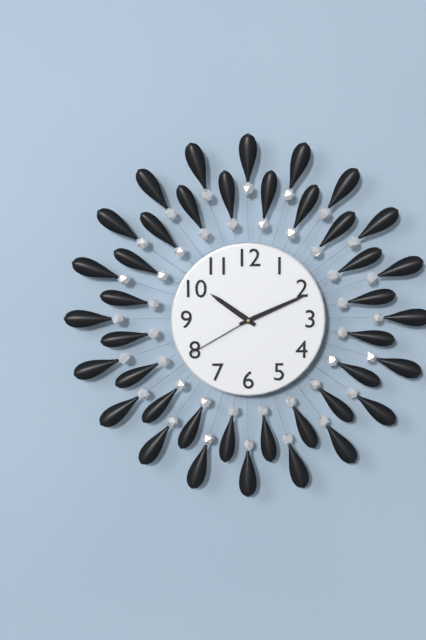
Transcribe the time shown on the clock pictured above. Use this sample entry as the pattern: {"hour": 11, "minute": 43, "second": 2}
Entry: {"hour": 10, "minute": 11, "second": 40}
